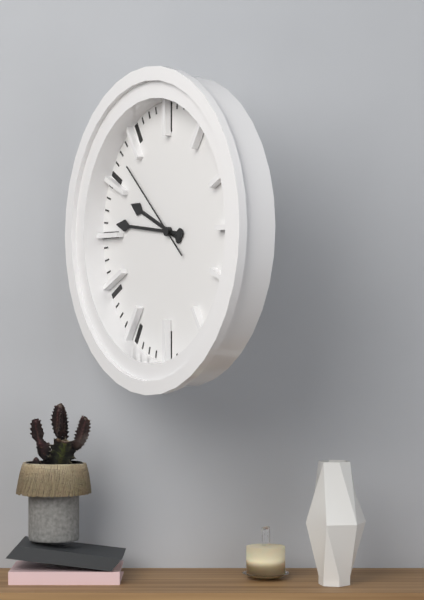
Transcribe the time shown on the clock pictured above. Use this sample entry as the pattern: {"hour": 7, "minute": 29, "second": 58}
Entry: {"hour": 9, "minute": 46, "second": 52}
